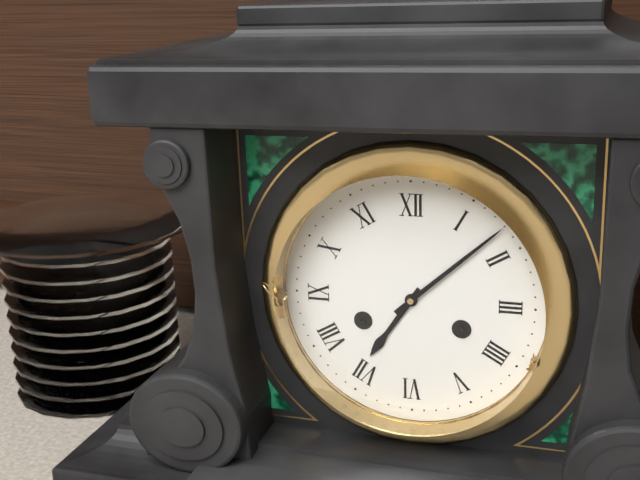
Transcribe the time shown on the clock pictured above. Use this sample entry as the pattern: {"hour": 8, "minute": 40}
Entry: {"hour": 7, "minute": 8}
